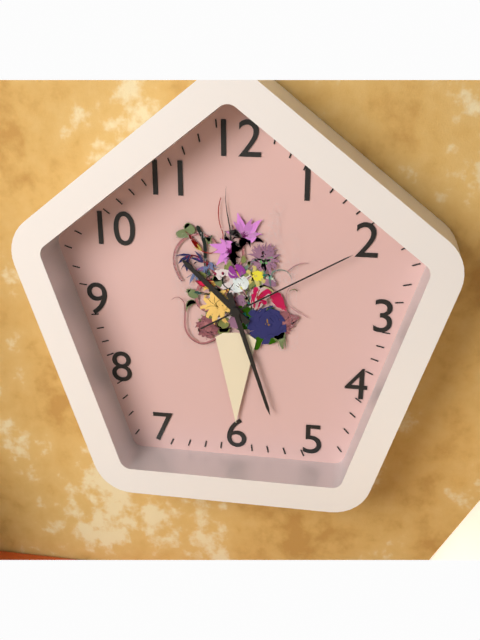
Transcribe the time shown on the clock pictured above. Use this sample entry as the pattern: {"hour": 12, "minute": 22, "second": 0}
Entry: {"hour": 10, "minute": 27, "second": 10}
